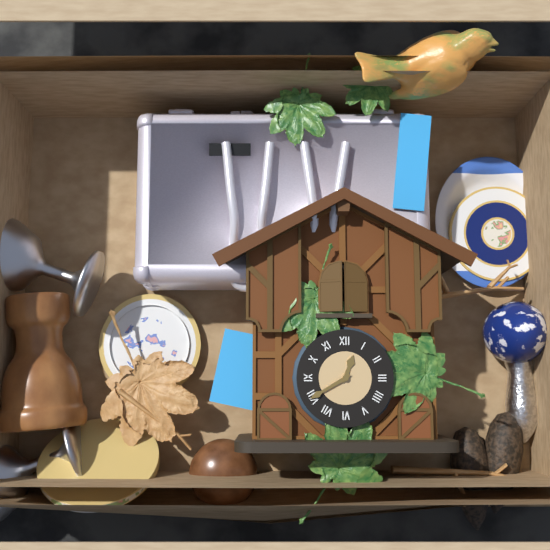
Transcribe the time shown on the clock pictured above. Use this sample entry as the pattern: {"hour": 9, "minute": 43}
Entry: {"hour": 12, "minute": 40}
